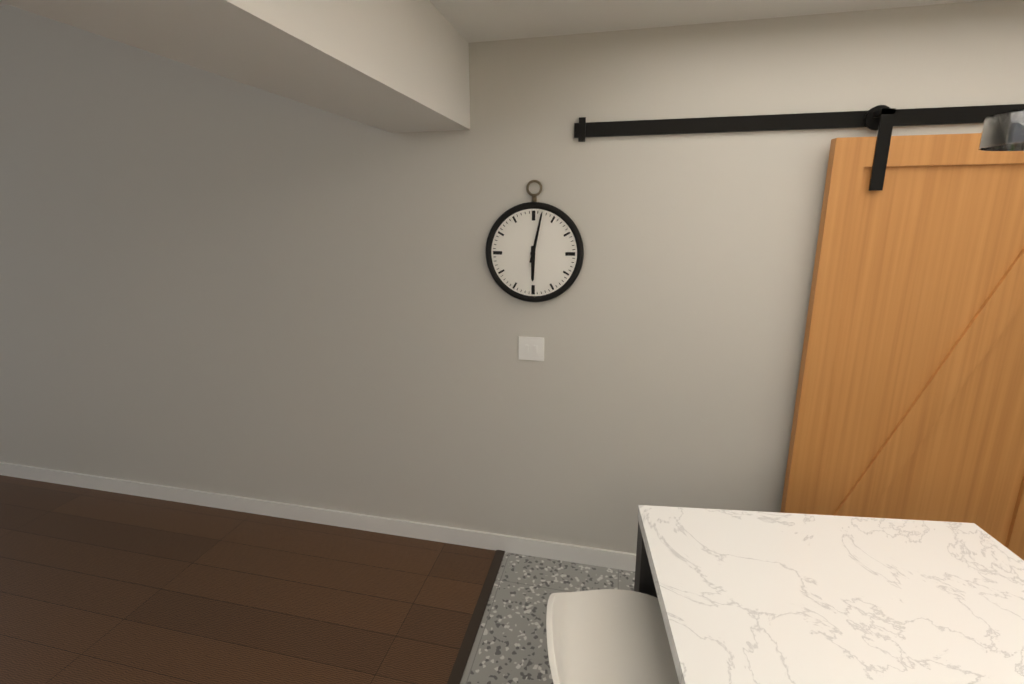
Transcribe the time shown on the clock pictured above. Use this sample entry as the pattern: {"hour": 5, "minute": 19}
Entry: {"hour": 6, "minute": 2}
